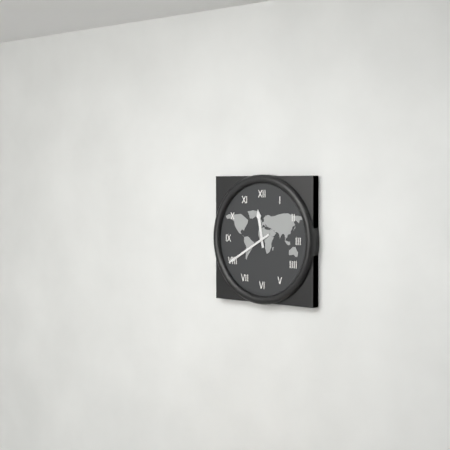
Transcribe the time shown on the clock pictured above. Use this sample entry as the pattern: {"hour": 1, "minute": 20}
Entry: {"hour": 11, "minute": 40}
